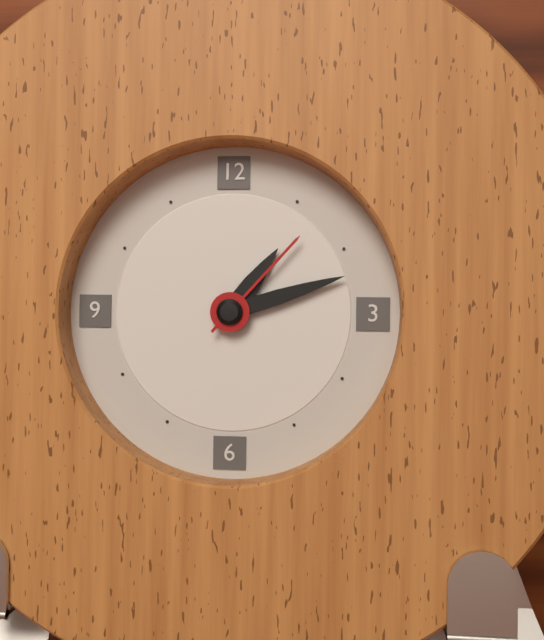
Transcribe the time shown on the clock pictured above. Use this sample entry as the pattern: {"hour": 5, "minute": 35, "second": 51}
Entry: {"hour": 1, "minute": 12, "second": 7}
